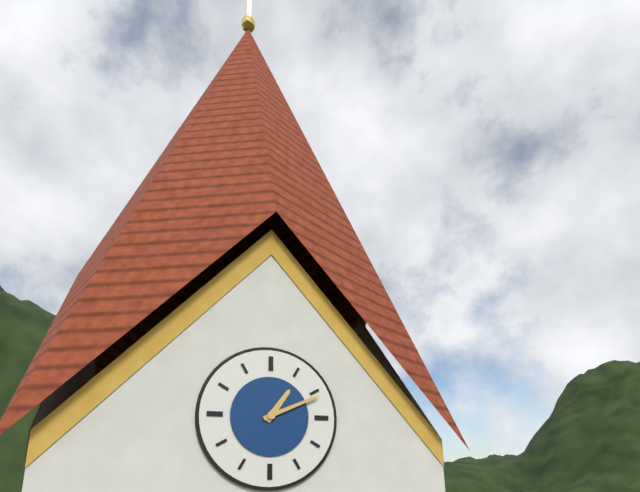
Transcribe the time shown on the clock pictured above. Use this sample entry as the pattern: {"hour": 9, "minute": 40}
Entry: {"hour": 1, "minute": 11}
